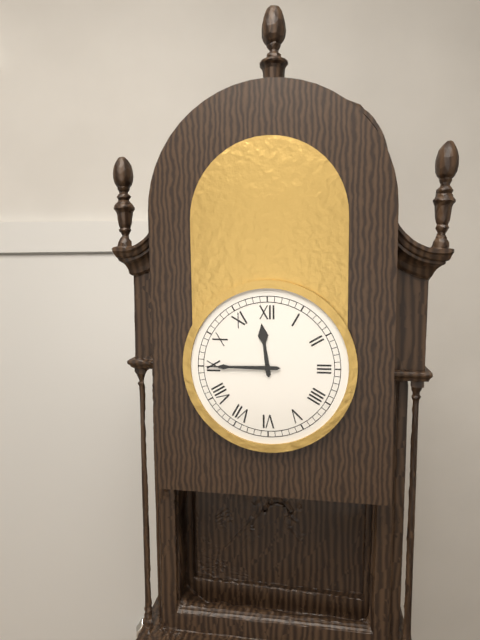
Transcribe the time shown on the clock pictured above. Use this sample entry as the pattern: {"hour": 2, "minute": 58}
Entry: {"hour": 11, "minute": 45}
